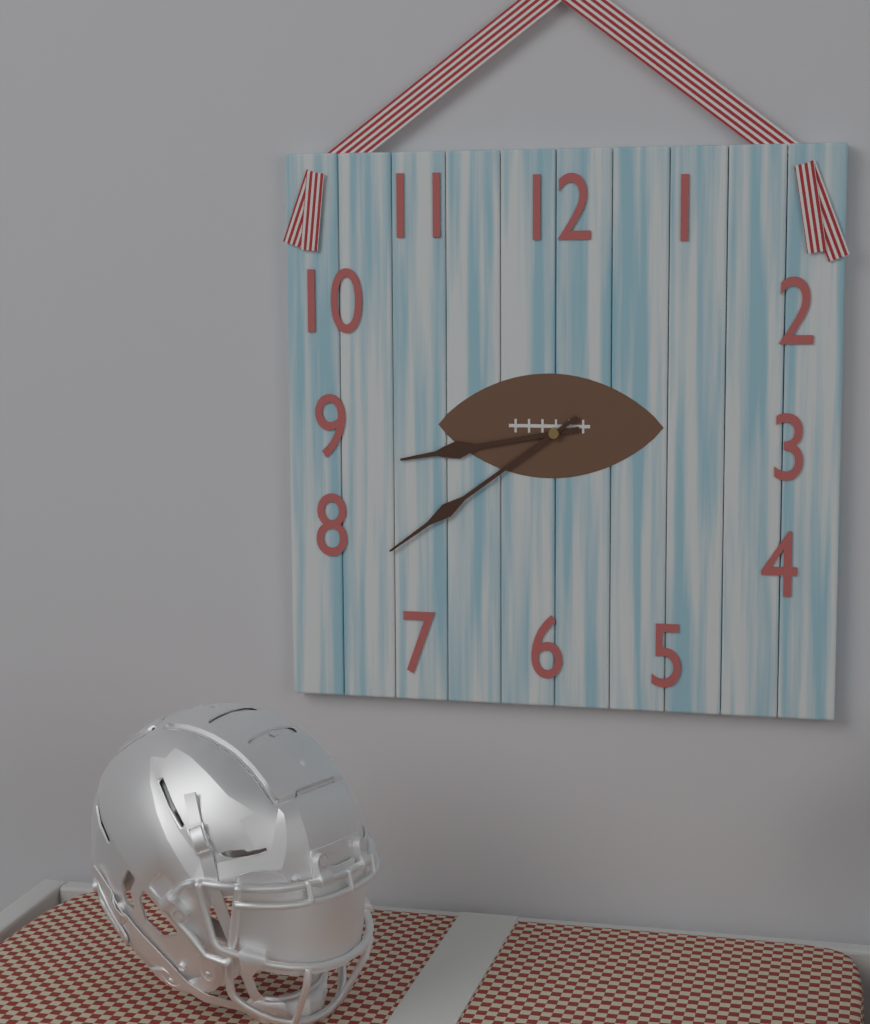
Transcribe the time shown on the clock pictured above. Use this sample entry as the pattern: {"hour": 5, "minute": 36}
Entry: {"hour": 8, "minute": 39}
